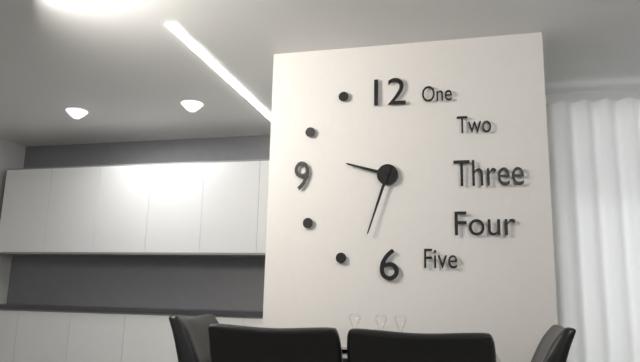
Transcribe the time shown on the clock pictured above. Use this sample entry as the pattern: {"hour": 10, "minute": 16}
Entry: {"hour": 9, "minute": 33}
